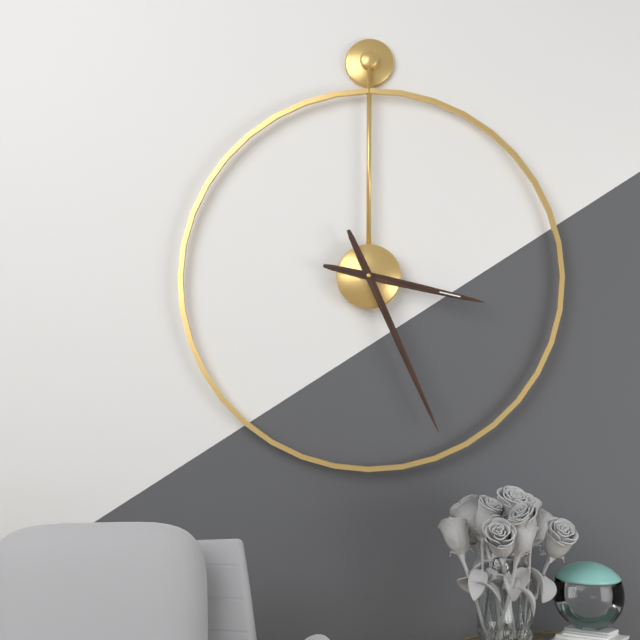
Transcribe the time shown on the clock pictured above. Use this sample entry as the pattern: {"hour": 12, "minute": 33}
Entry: {"hour": 3, "minute": 26}
